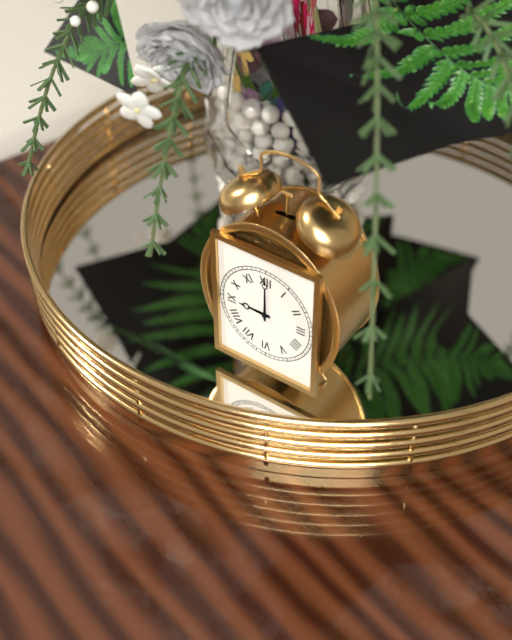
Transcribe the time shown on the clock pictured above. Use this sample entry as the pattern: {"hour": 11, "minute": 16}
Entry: {"hour": 9, "minute": 0}
